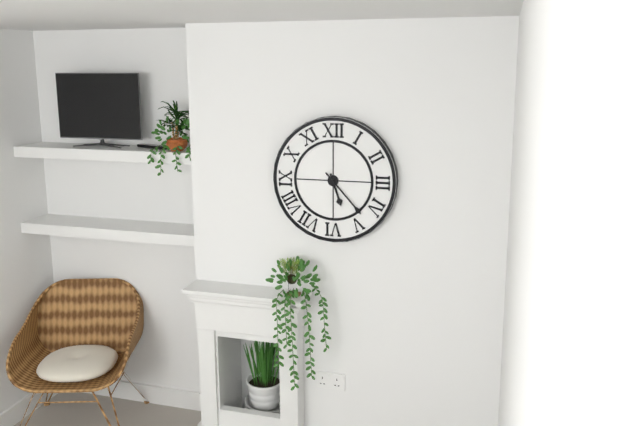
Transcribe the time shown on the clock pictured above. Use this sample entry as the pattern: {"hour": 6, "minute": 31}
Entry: {"hour": 5, "minute": 23}
